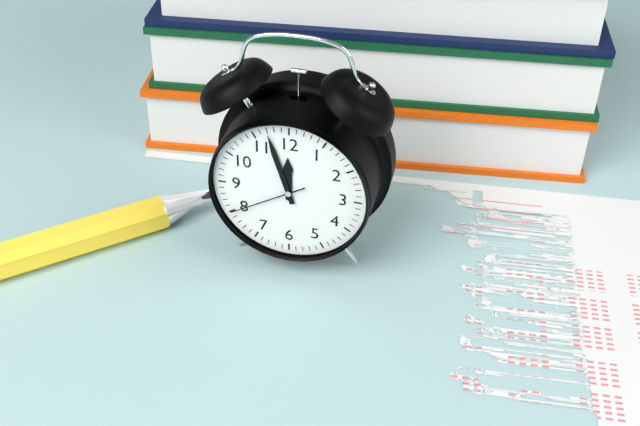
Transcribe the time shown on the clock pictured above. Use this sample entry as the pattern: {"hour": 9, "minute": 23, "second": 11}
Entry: {"hour": 11, "minute": 57, "second": 40}
